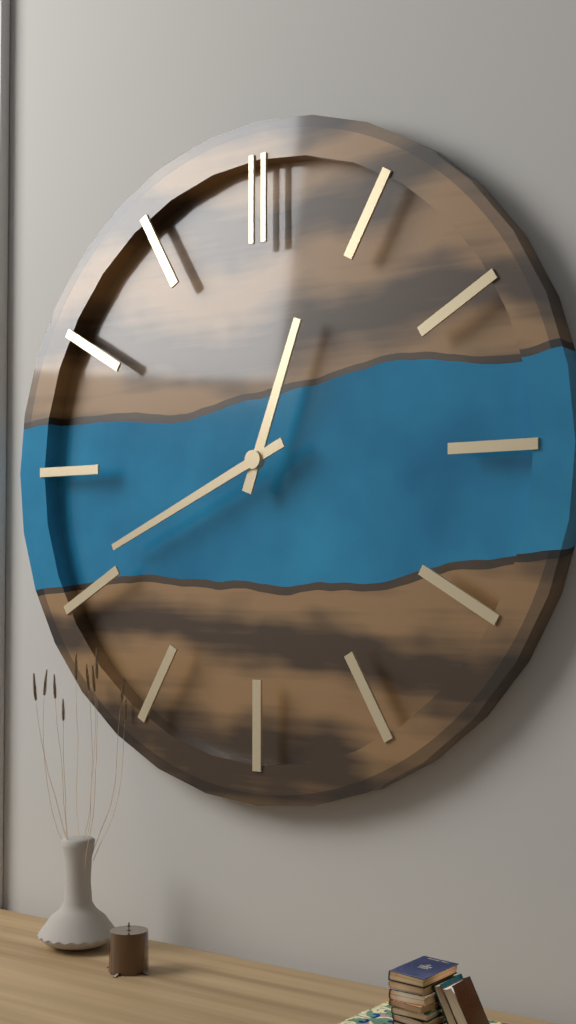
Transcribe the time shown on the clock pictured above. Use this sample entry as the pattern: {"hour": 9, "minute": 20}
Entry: {"hour": 12, "minute": 41}
